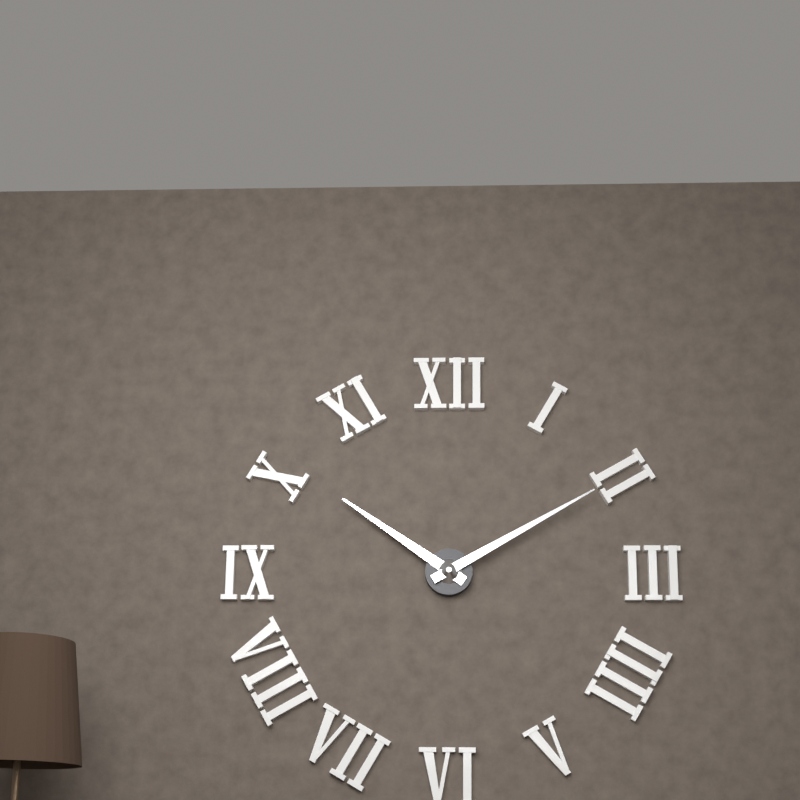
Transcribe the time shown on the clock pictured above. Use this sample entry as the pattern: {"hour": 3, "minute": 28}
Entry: {"hour": 10, "minute": 10}
